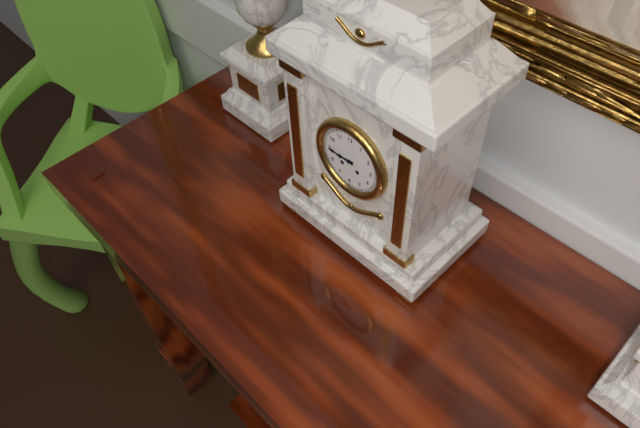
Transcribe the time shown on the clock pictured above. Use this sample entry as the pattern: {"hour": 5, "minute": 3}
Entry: {"hour": 8, "minute": 45}
